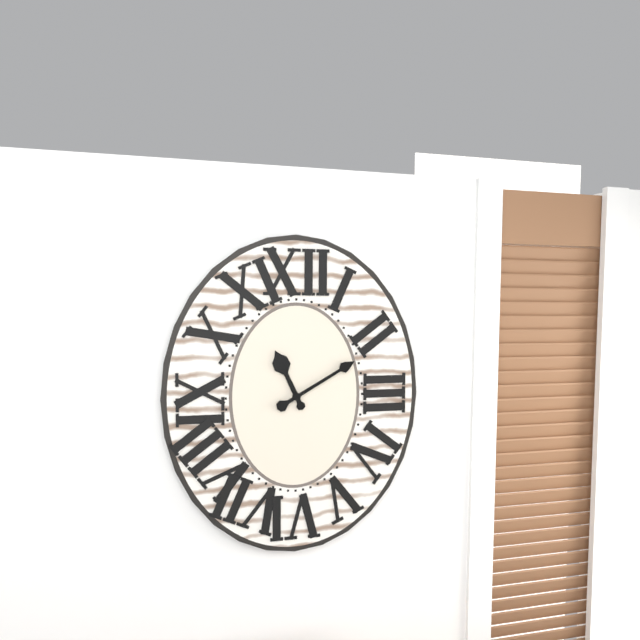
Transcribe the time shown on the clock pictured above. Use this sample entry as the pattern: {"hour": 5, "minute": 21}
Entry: {"hour": 11, "minute": 10}
